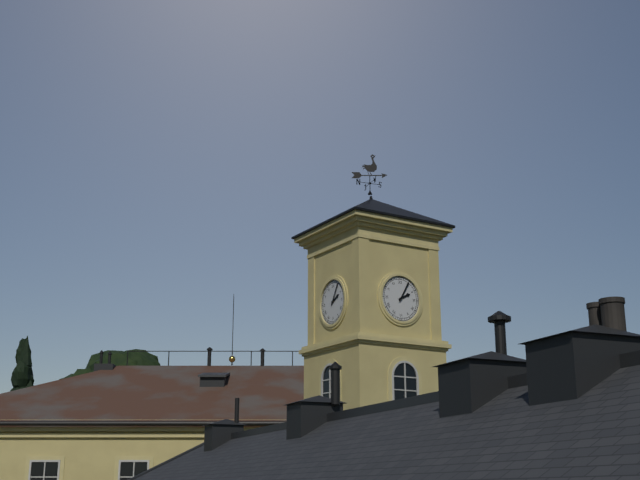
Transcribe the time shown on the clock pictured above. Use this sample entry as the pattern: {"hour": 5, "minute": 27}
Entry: {"hour": 2, "minute": 5}
